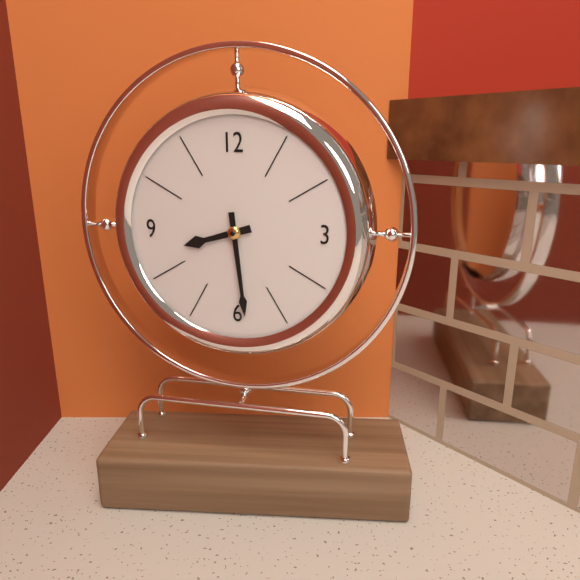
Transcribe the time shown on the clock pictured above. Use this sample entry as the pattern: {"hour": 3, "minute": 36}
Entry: {"hour": 8, "minute": 29}
